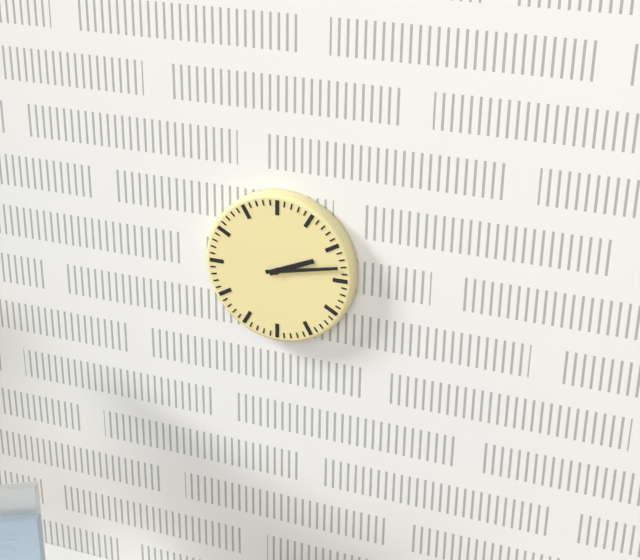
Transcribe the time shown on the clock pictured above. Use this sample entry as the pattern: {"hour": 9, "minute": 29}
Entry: {"hour": 2, "minute": 13}
